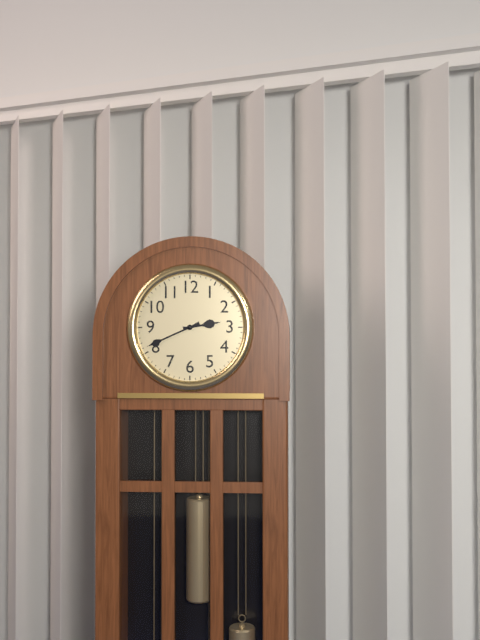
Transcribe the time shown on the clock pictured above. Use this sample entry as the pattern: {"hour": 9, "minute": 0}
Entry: {"hour": 2, "minute": 41}
